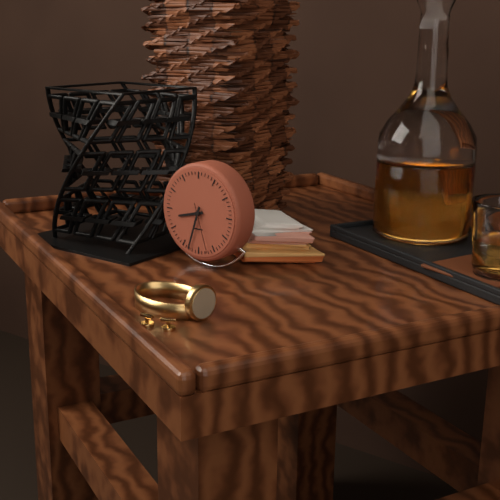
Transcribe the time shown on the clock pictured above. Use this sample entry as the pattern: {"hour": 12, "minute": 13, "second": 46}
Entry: {"hour": 8, "minute": 33, "second": 27}
